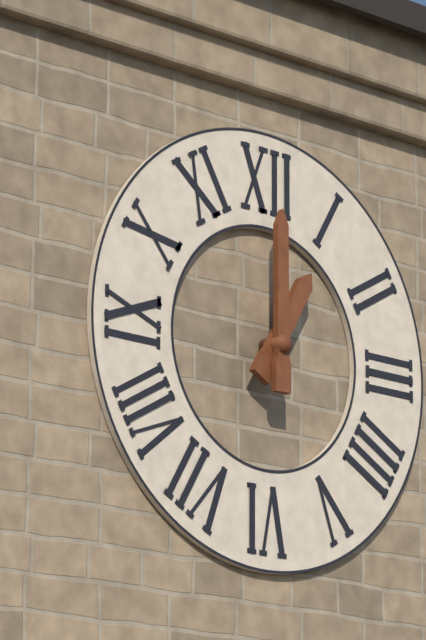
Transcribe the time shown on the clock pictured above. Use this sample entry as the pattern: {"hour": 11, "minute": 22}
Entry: {"hour": 1, "minute": 0}
